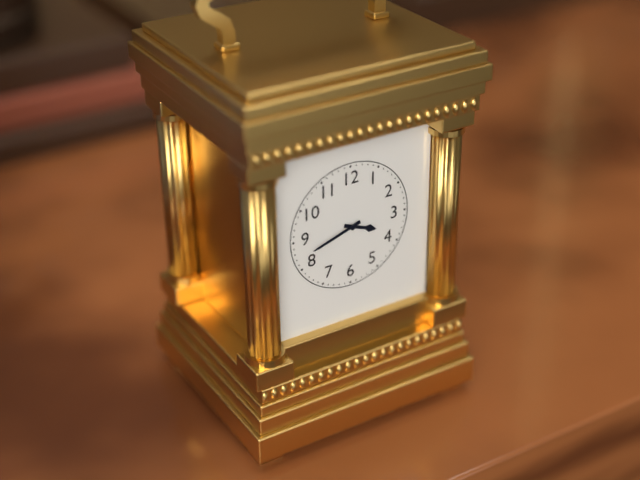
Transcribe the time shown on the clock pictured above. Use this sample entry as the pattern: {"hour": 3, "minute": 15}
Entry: {"hour": 3, "minute": 42}
